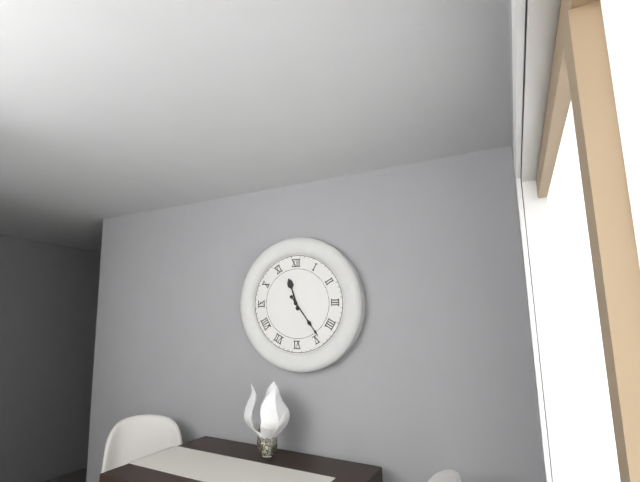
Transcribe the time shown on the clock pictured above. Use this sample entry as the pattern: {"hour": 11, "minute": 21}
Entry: {"hour": 11, "minute": 24}
